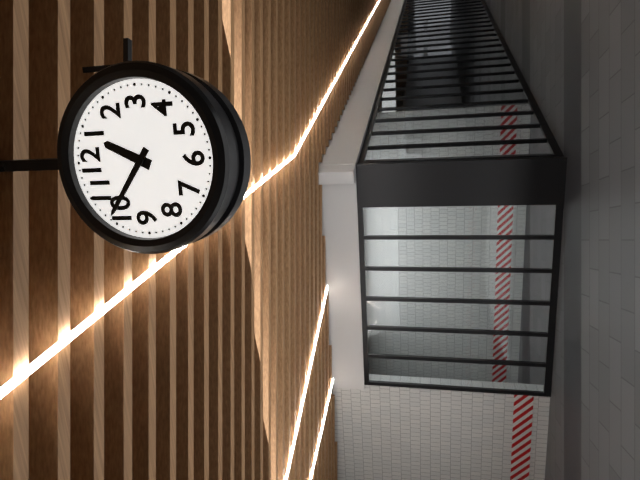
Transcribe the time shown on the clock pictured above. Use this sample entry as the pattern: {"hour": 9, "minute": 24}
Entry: {"hour": 12, "minute": 51}
